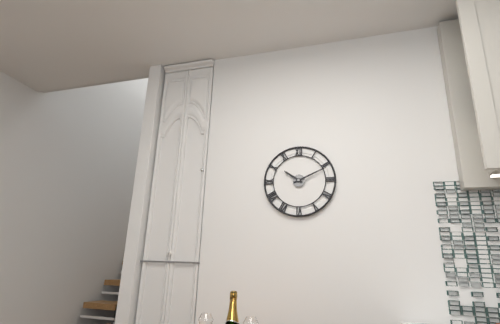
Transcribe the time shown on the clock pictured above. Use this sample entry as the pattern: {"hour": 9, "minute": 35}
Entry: {"hour": 10, "minute": 11}
